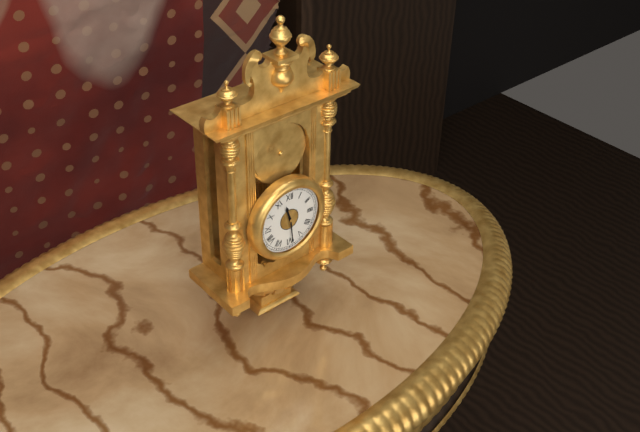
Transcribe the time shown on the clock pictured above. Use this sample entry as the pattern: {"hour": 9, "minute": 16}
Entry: {"hour": 11, "minute": 29}
